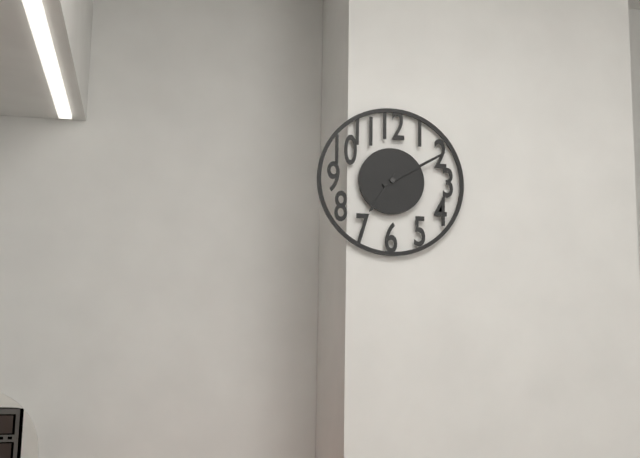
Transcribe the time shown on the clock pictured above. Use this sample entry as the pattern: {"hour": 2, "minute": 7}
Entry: {"hour": 7, "minute": 10}
